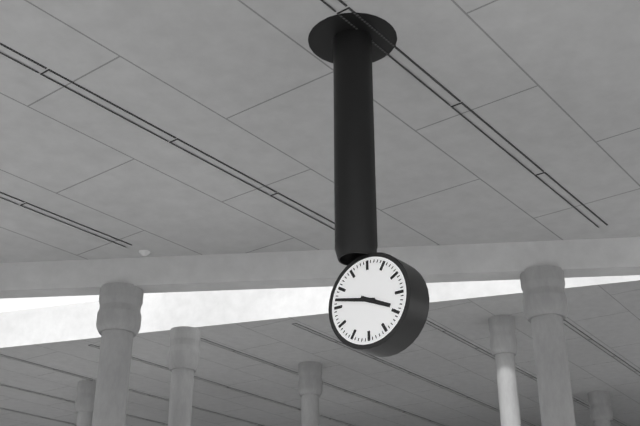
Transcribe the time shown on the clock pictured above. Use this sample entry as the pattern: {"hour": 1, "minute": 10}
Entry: {"hour": 3, "minute": 47}
